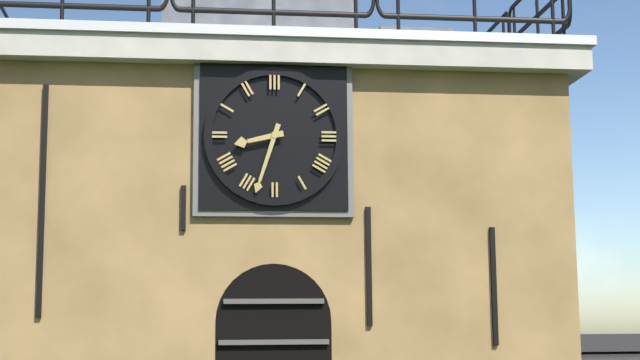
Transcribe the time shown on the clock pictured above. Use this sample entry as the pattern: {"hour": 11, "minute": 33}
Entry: {"hour": 8, "minute": 33}
